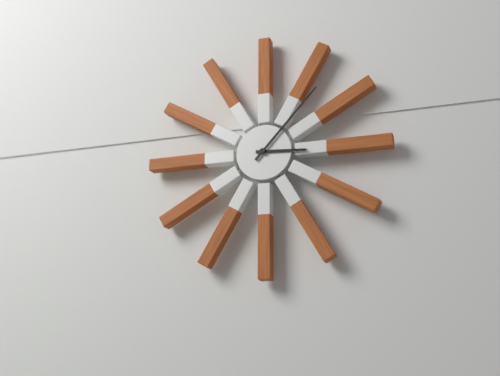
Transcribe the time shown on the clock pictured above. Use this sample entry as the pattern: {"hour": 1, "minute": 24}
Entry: {"hour": 3, "minute": 7}
